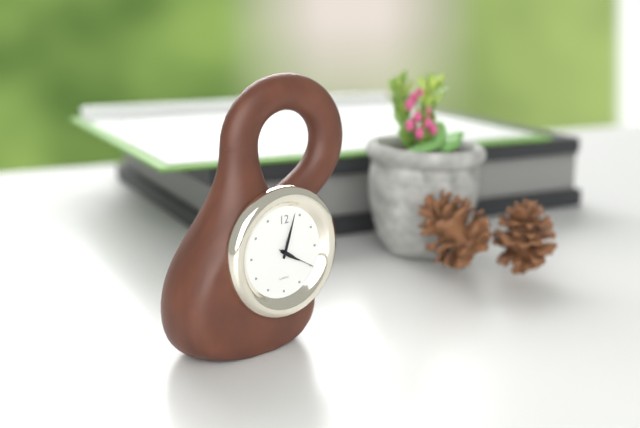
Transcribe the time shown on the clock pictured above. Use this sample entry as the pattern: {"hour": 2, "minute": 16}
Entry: {"hour": 4, "minute": 3}
